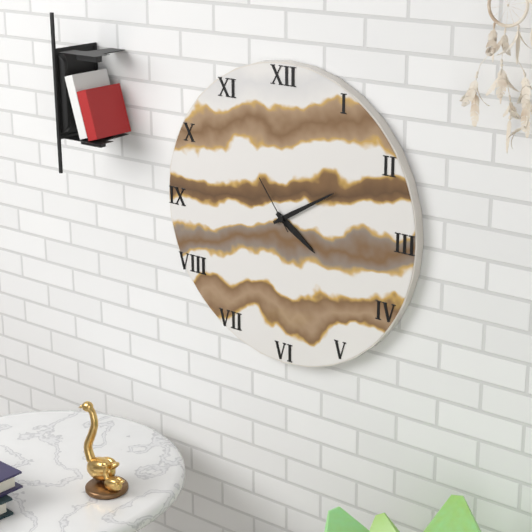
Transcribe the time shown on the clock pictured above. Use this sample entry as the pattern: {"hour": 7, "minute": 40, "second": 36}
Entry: {"hour": 4, "minute": 10, "second": 54}
